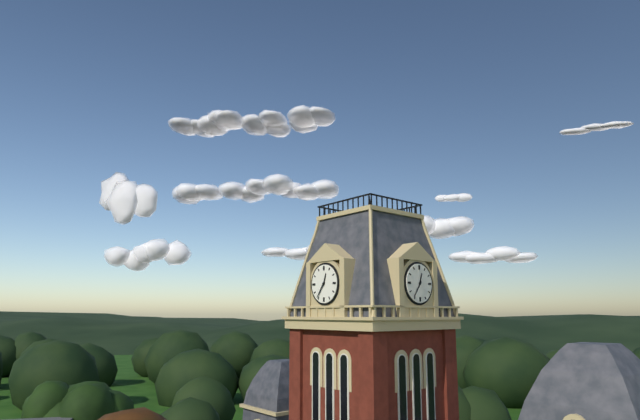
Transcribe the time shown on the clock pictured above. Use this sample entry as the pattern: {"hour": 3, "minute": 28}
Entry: {"hour": 12, "minute": 36}
